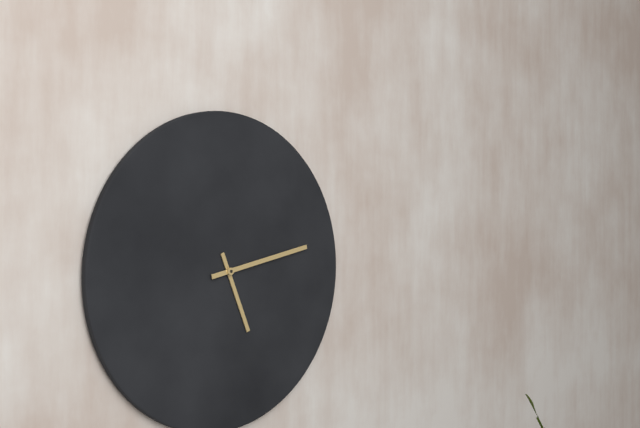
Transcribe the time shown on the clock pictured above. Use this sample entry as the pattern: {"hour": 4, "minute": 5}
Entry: {"hour": 5, "minute": 13}
